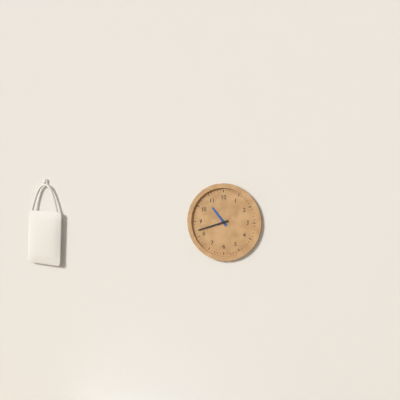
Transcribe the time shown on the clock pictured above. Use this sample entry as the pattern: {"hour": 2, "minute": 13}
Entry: {"hour": 10, "minute": 42}
